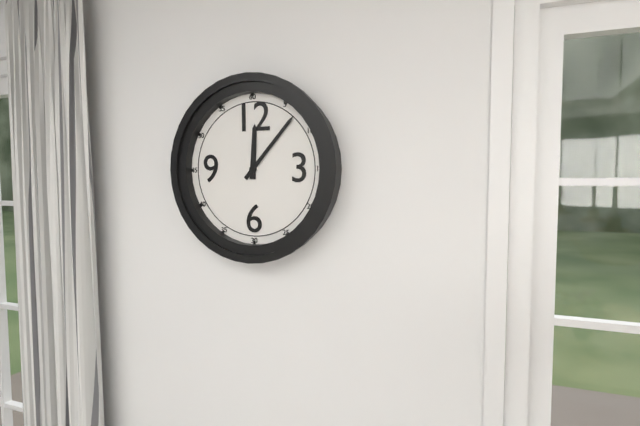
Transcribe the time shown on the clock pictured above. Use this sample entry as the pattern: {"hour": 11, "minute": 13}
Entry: {"hour": 12, "minute": 7}
